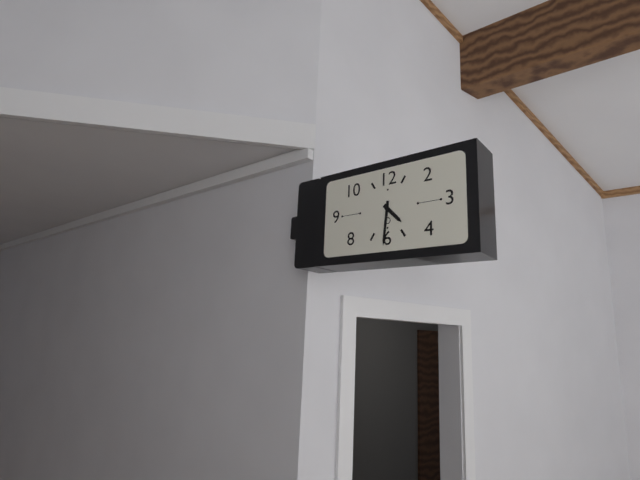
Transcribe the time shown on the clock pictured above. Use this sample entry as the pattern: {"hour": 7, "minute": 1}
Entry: {"hour": 4, "minute": 31}
